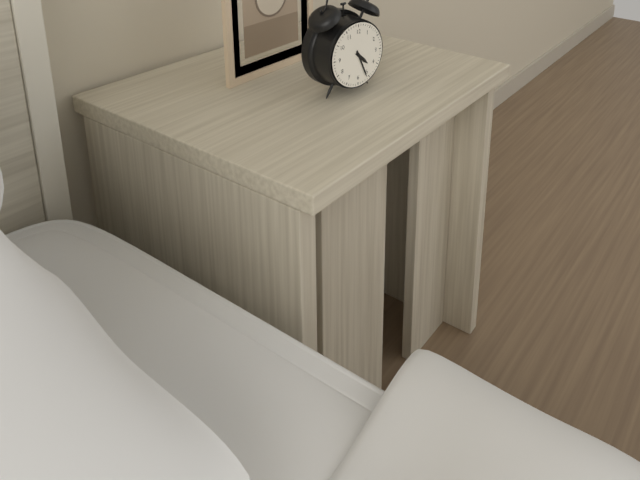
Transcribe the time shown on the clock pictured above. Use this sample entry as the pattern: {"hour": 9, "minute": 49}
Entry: {"hour": 4, "minute": 26}
